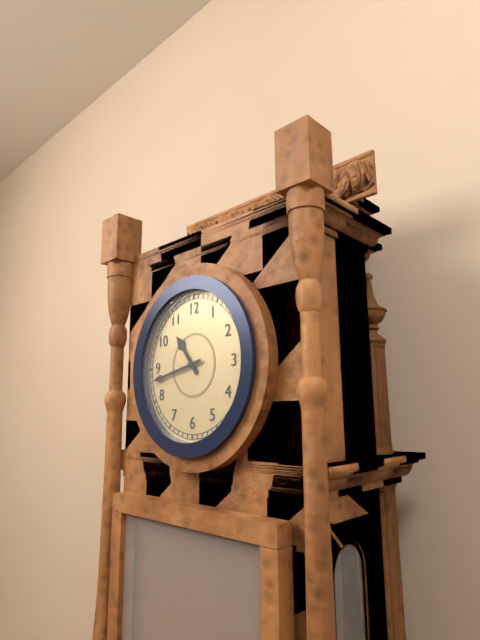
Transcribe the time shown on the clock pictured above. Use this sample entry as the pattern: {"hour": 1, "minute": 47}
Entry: {"hour": 10, "minute": 43}
